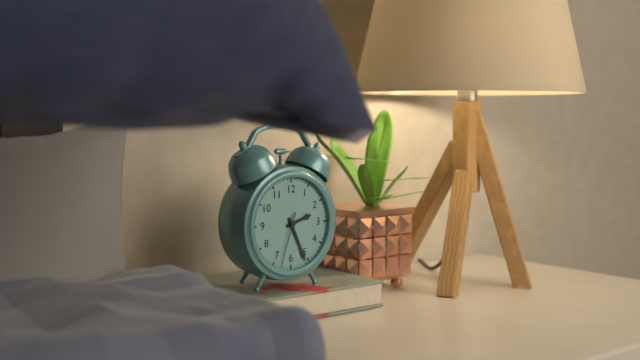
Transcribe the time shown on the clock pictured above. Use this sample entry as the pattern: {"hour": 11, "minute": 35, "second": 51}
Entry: {"hour": 2, "minute": 26, "second": 33}
